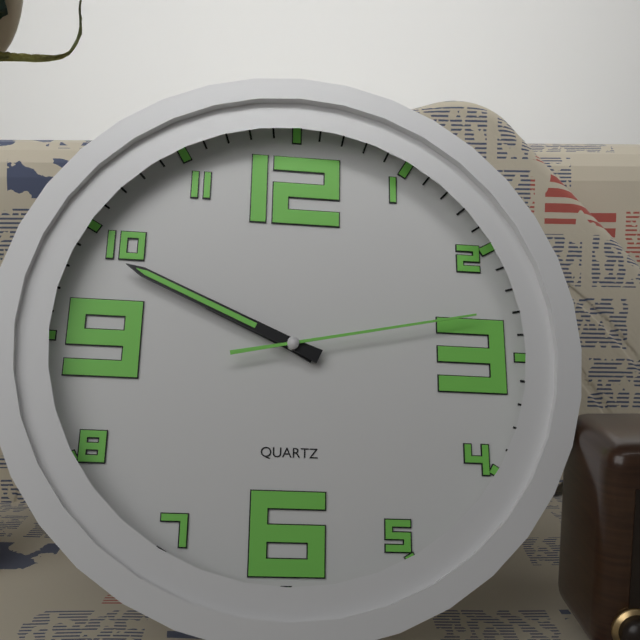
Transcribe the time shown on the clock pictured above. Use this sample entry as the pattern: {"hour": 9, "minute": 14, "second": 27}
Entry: {"hour": 9, "minute": 49, "second": 13}
